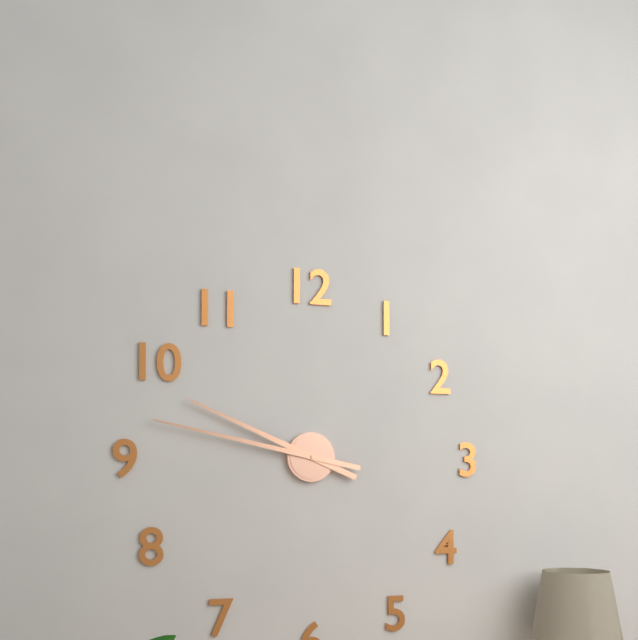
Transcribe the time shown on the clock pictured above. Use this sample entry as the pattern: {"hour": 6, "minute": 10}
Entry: {"hour": 9, "minute": 47}
